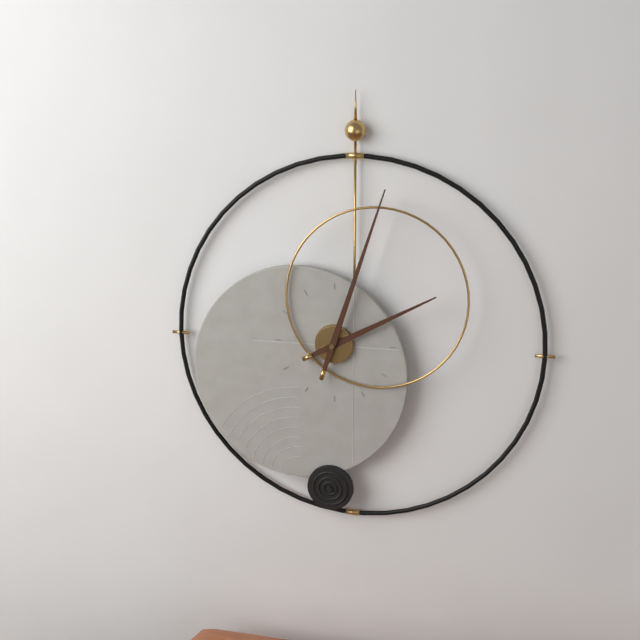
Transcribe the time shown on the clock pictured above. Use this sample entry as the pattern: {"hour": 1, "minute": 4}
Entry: {"hour": 2, "minute": 3}
